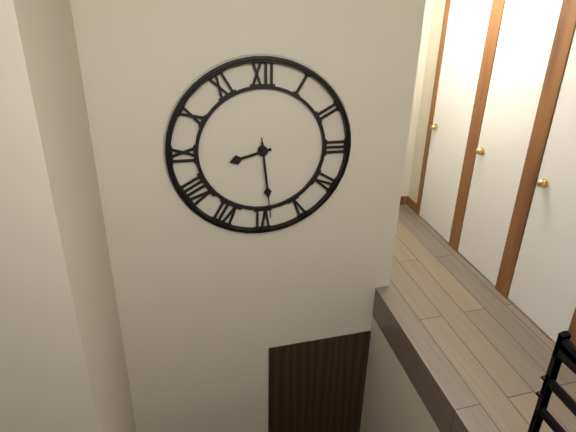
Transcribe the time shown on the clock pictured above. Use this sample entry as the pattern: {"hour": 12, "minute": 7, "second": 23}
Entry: {"hour": 8, "minute": 29, "second": 29}
